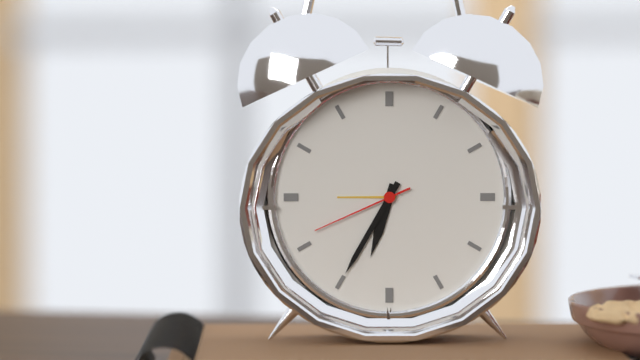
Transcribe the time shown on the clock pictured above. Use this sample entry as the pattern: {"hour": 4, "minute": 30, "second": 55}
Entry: {"hour": 6, "minute": 35, "second": 41}
